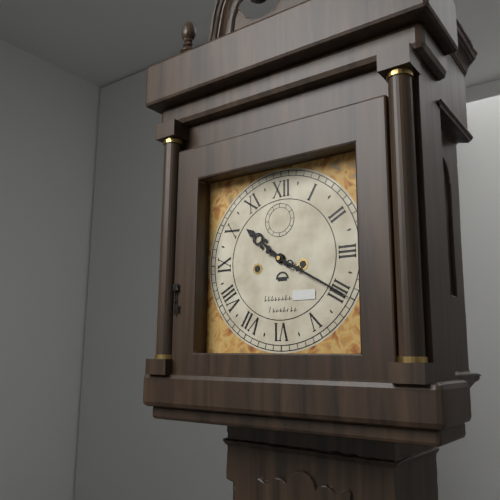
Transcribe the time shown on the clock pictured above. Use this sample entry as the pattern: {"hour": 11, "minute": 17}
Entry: {"hour": 10, "minute": 20}
